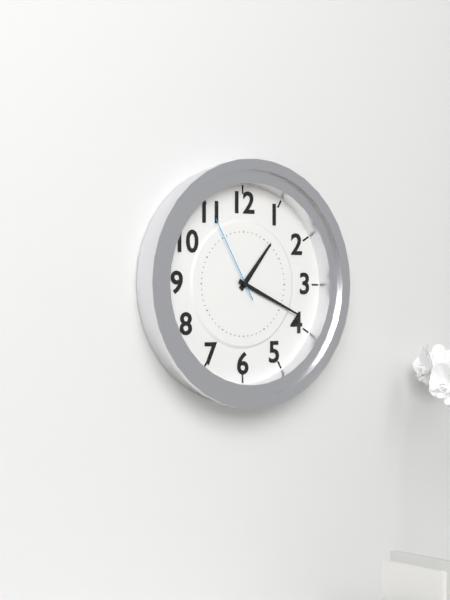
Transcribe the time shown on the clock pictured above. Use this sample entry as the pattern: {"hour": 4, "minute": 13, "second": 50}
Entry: {"hour": 1, "minute": 19, "second": 55}
